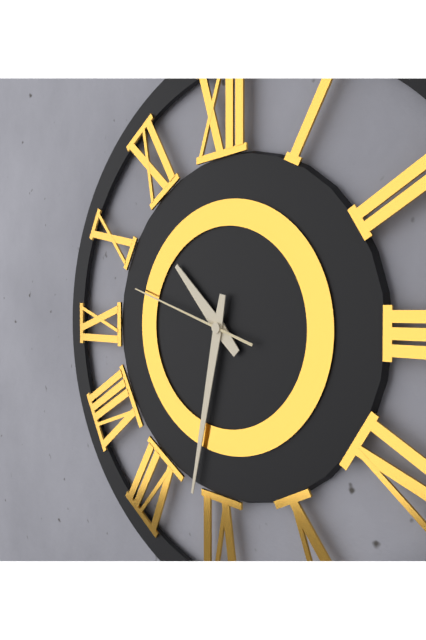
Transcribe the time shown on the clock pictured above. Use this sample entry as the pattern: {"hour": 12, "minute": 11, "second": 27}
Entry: {"hour": 10, "minute": 32, "second": 48}
